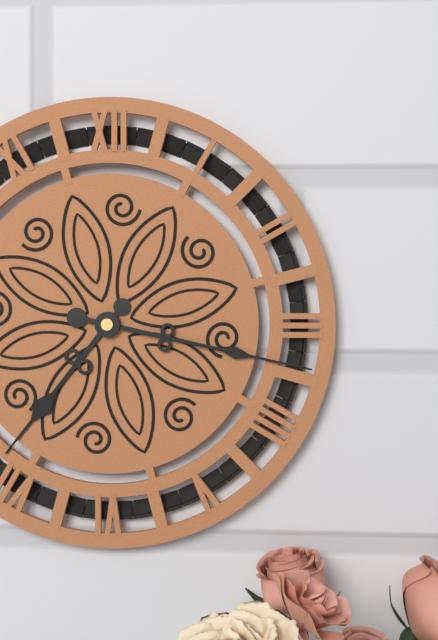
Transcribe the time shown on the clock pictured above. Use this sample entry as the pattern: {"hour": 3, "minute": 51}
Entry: {"hour": 7, "minute": 17}
